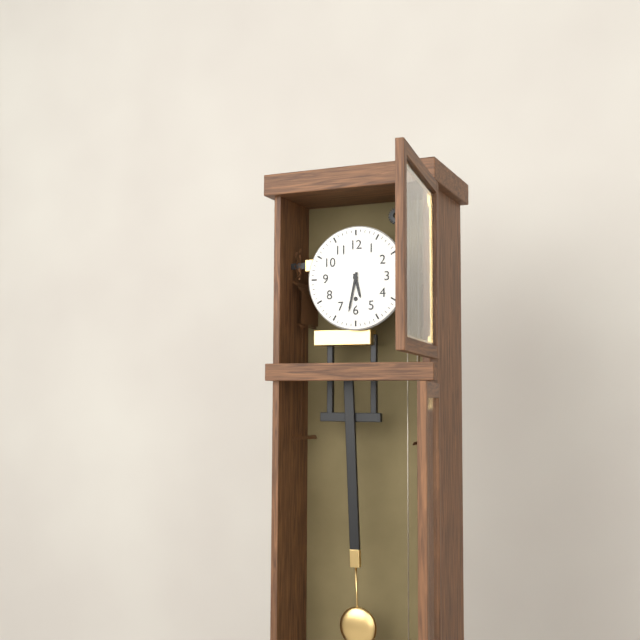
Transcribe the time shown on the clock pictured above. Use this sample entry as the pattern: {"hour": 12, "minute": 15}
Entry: {"hour": 5, "minute": 32}
